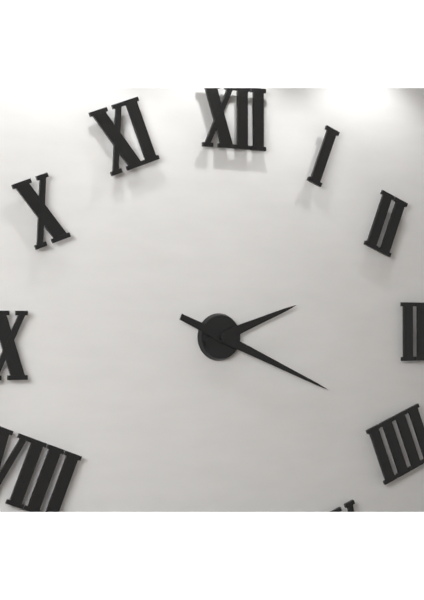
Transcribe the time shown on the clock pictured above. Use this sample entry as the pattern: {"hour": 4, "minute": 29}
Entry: {"hour": 2, "minute": 19}
